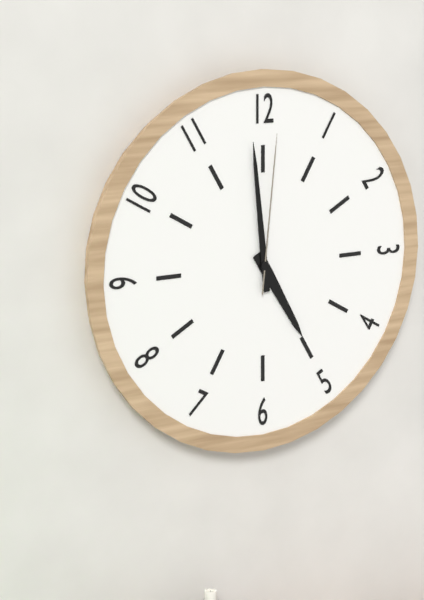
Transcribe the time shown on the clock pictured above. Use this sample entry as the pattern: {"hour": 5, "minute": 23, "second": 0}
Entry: {"hour": 4, "minute": 59, "second": 1}
